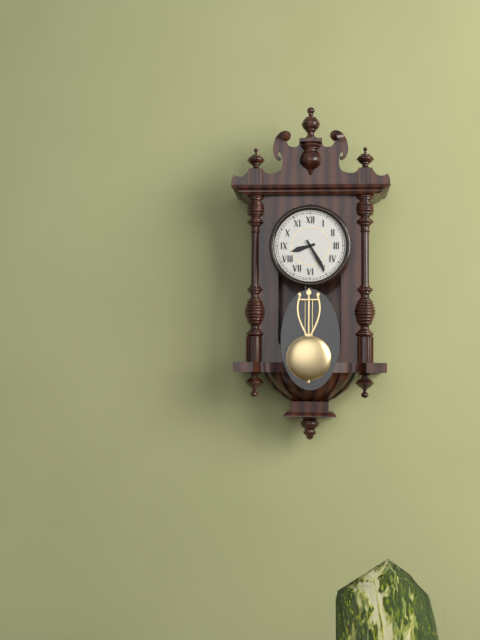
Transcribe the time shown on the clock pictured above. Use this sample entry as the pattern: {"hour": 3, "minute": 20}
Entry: {"hour": 8, "minute": 25}
